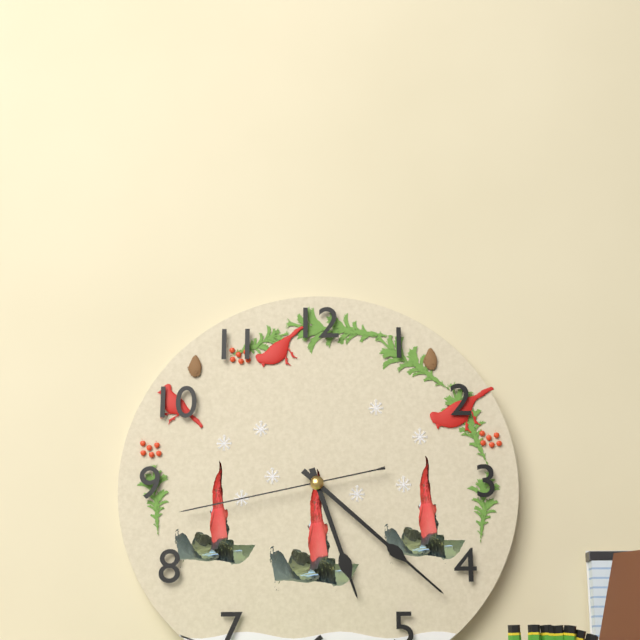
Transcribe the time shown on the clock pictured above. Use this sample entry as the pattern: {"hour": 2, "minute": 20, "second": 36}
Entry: {"hour": 5, "minute": 22, "second": 43}
